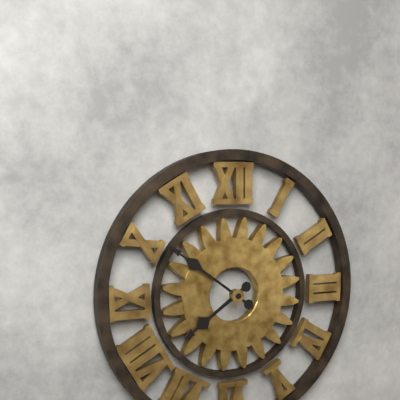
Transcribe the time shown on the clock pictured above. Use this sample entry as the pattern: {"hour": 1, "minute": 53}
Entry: {"hour": 7, "minute": 51}
